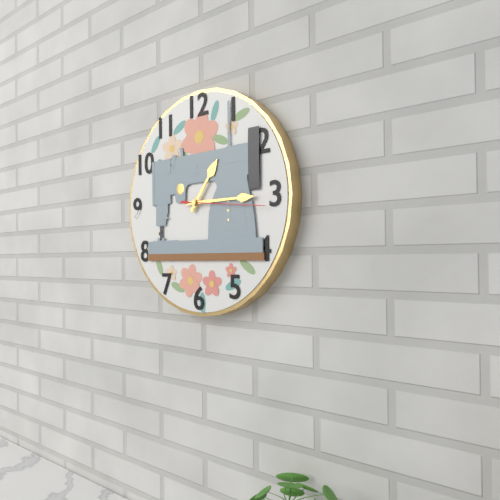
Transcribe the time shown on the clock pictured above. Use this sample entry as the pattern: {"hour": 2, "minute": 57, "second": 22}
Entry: {"hour": 1, "minute": 15, "second": 16}
